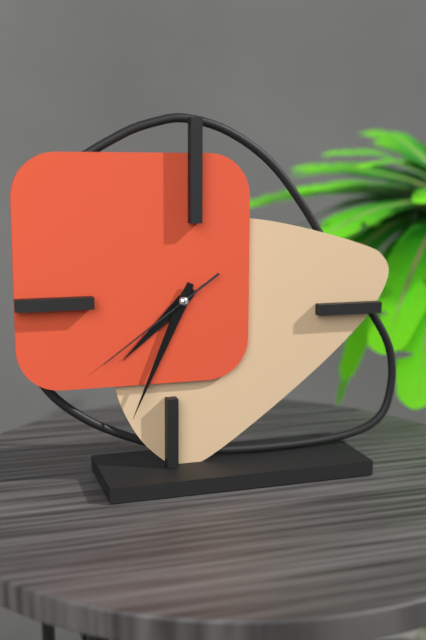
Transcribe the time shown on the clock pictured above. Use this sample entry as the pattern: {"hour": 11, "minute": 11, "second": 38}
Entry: {"hour": 7, "minute": 34, "second": 39}
